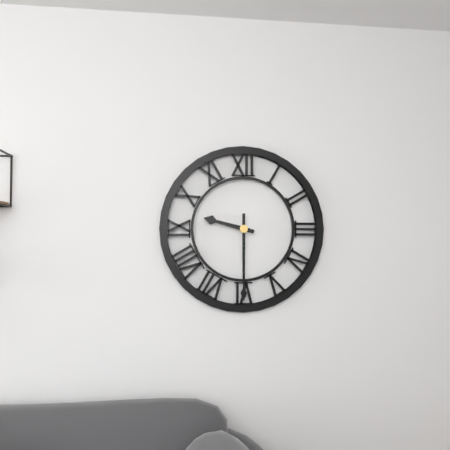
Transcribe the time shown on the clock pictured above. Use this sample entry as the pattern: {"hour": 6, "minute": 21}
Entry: {"hour": 9, "minute": 30}
